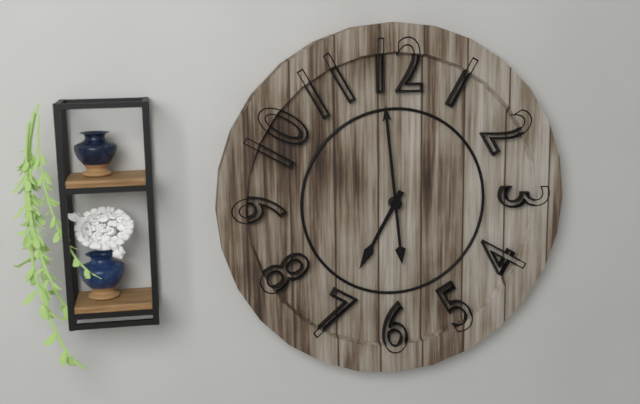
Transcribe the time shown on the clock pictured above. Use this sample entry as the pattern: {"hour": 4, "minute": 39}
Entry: {"hour": 6, "minute": 59}
